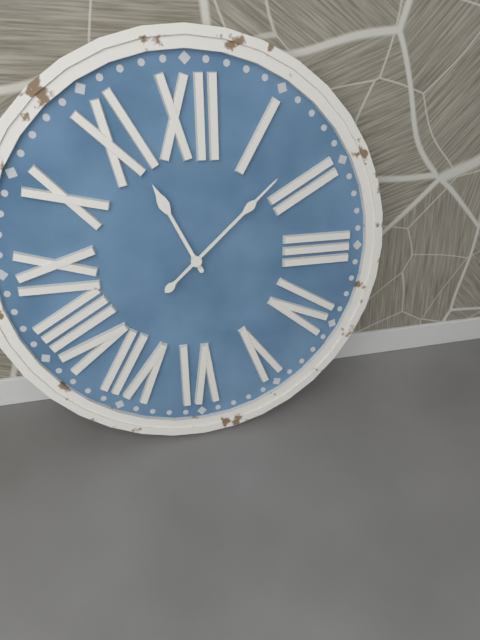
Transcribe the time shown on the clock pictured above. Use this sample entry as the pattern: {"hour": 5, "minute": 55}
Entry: {"hour": 11, "minute": 8}
